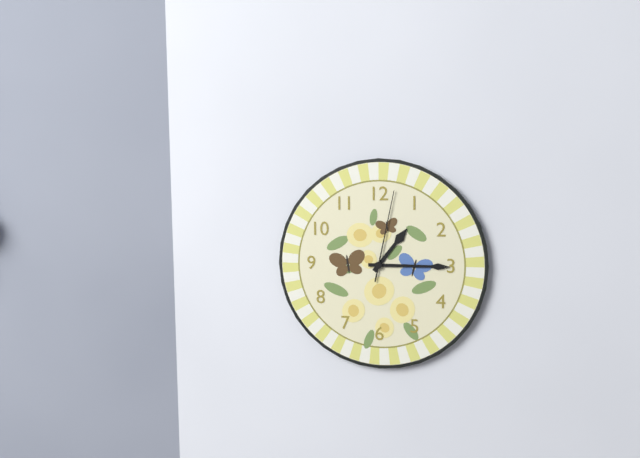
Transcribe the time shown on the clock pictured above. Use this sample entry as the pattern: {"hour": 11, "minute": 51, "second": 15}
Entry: {"hour": 1, "minute": 15, "second": 2}
